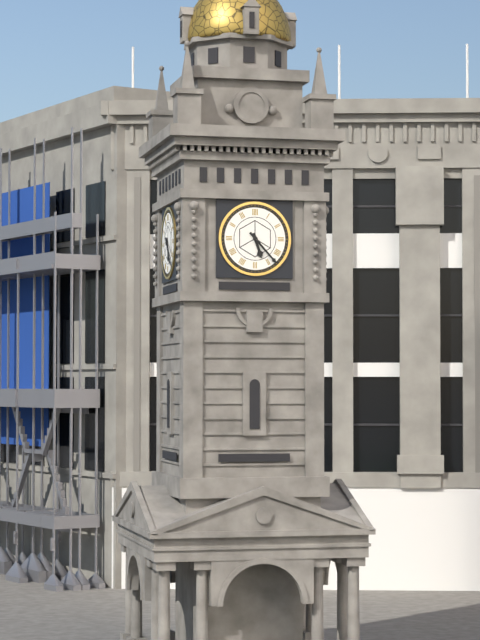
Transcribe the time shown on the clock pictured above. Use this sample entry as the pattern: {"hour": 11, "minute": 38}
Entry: {"hour": 5, "minute": 23}
